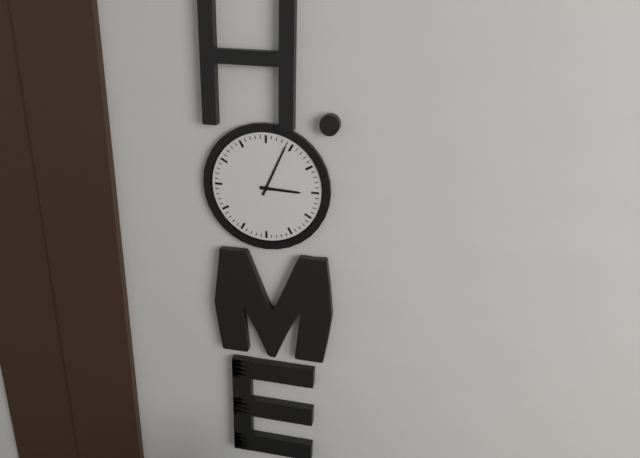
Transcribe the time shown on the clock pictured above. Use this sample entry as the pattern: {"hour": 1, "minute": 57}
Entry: {"hour": 3, "minute": 4}
